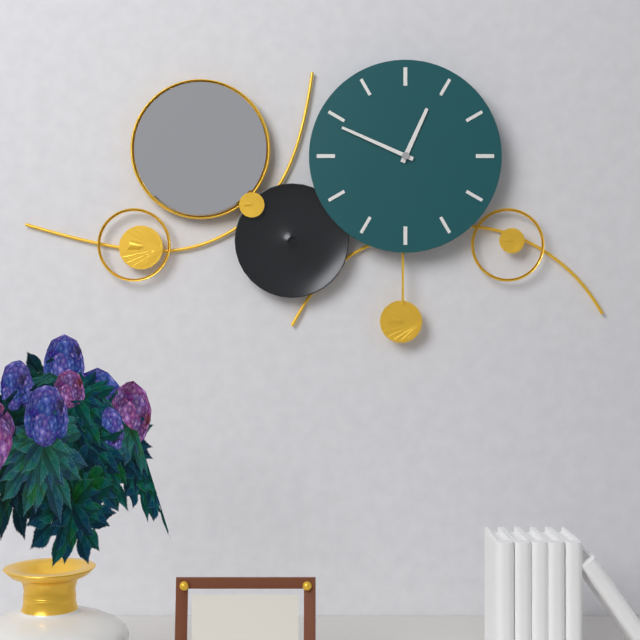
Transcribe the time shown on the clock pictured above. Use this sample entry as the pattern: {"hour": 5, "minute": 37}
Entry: {"hour": 12, "minute": 49}
